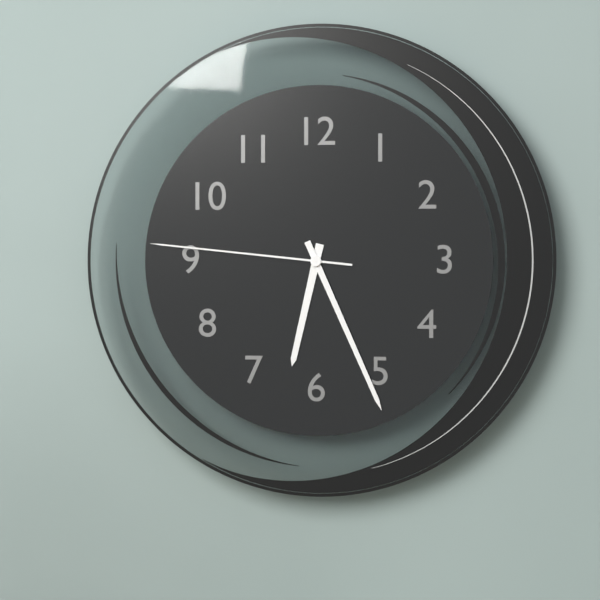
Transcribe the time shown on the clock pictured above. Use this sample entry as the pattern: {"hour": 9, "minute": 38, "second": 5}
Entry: {"hour": 6, "minute": 26, "second": 46}
